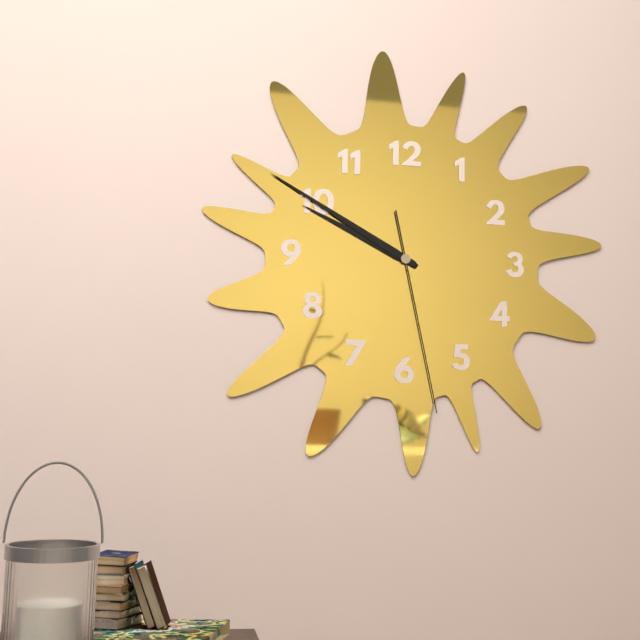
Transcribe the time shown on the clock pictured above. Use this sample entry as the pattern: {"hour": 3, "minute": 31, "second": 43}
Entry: {"hour": 9, "minute": 50, "second": 28}
